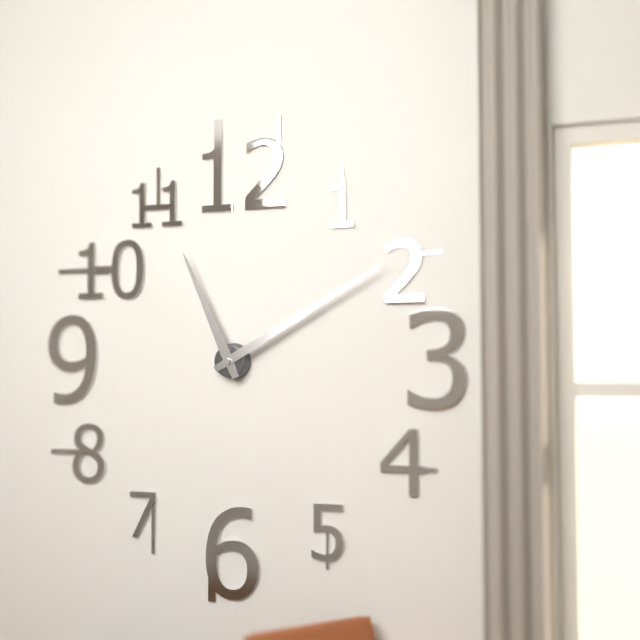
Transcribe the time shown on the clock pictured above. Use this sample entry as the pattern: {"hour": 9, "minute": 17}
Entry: {"hour": 11, "minute": 10}
